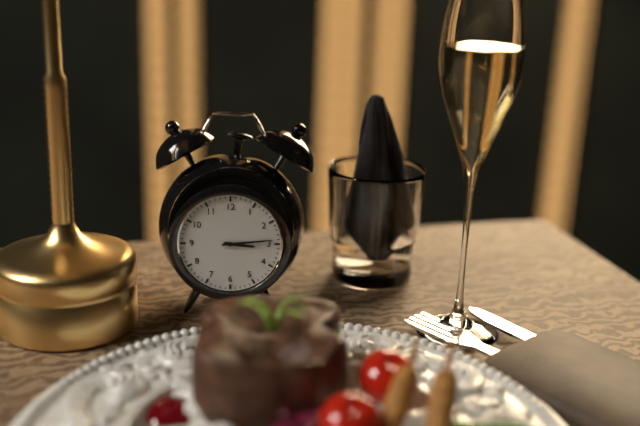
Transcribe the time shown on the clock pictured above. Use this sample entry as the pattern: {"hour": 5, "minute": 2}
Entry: {"hour": 3, "minute": 14}
